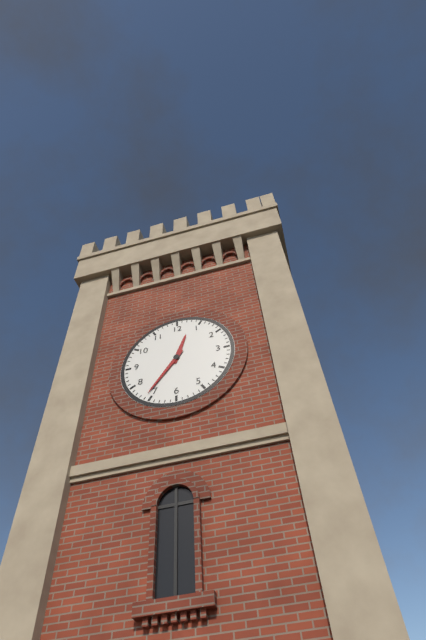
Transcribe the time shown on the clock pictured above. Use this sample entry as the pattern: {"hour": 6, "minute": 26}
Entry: {"hour": 12, "minute": 36}
